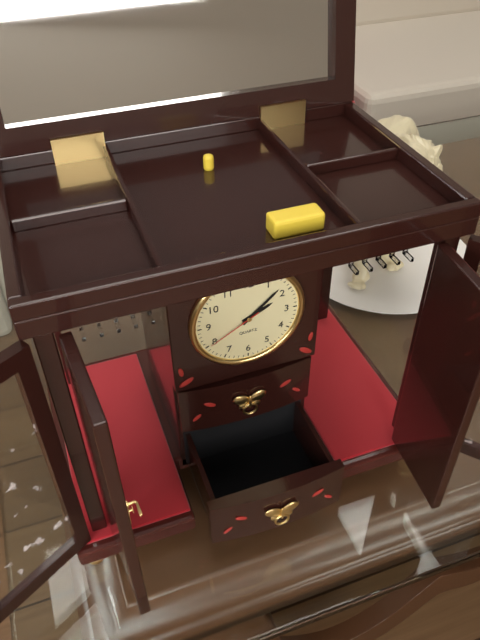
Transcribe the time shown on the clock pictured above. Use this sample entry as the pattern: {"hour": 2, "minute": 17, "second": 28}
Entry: {"hour": 2, "minute": 8, "second": 40}
